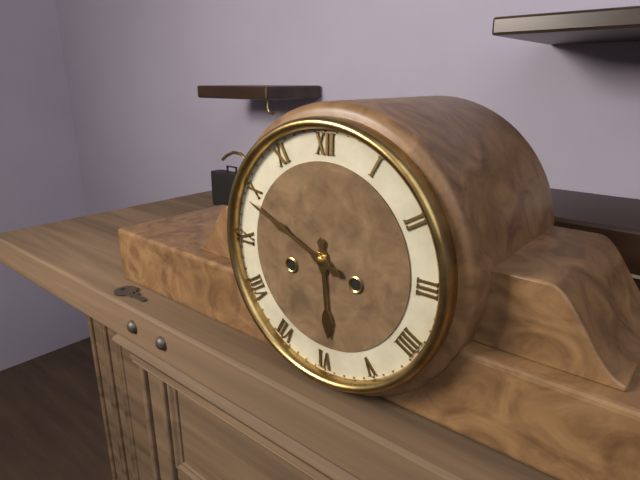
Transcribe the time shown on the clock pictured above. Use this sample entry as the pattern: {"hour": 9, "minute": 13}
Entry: {"hour": 5, "minute": 49}
